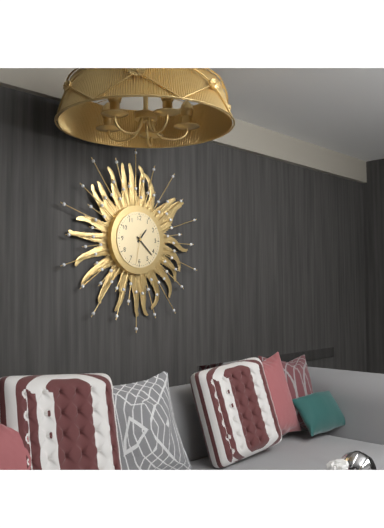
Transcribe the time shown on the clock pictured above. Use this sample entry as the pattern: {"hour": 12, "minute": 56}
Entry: {"hour": 1, "minute": 22}
